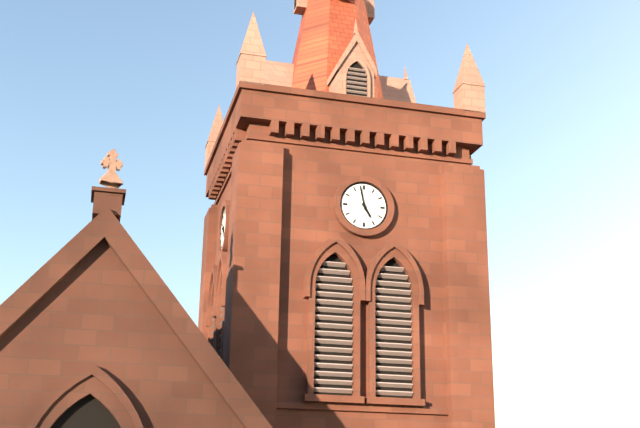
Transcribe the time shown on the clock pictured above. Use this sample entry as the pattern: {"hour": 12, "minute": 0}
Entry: {"hour": 4, "minute": 58}
